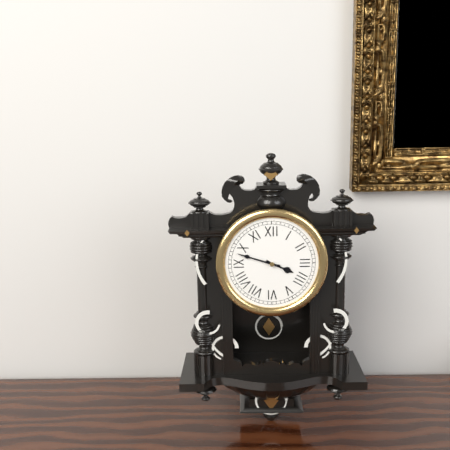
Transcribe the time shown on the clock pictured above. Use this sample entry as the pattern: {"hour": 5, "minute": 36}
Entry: {"hour": 3, "minute": 48}
